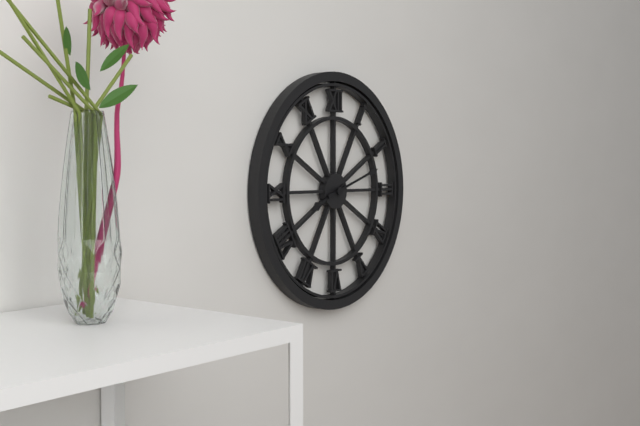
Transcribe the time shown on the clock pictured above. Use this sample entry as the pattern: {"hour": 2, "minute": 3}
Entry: {"hour": 8, "minute": 12}
